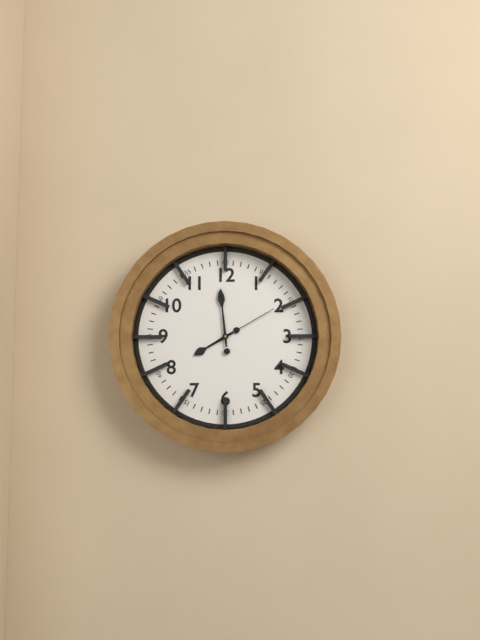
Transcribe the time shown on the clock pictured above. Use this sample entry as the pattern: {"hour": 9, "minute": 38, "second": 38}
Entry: {"hour": 7, "minute": 59, "second": 10}
